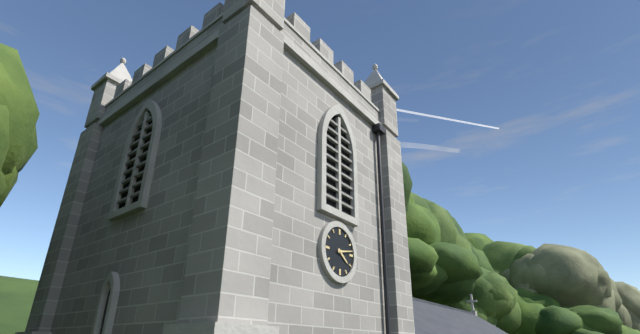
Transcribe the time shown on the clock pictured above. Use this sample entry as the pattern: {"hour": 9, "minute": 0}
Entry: {"hour": 4, "minute": 13}
